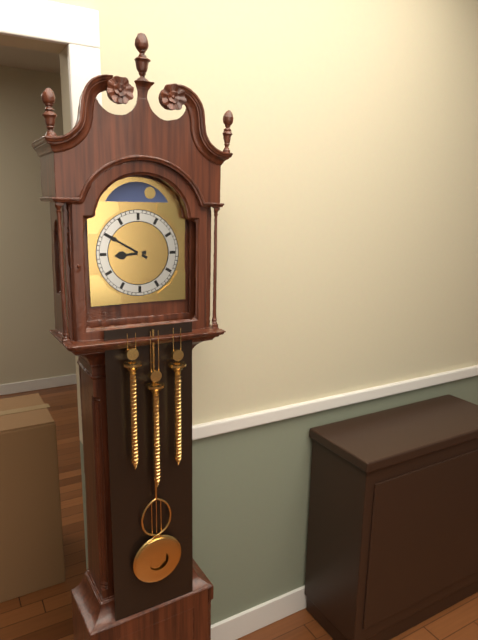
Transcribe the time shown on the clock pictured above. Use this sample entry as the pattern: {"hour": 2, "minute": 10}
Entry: {"hour": 8, "minute": 50}
